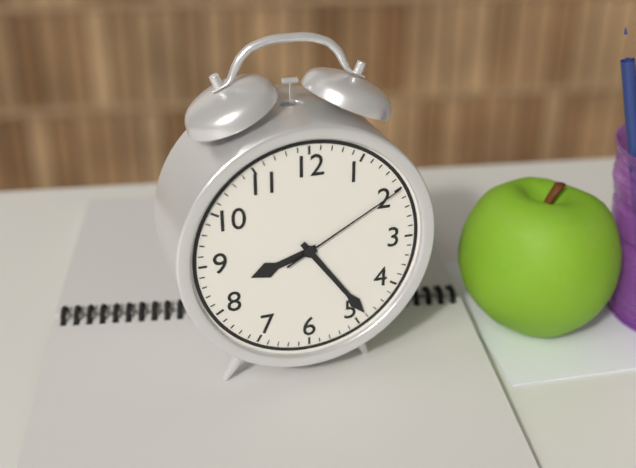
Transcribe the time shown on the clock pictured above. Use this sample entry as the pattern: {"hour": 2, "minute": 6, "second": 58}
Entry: {"hour": 8, "minute": 24, "second": 10}
